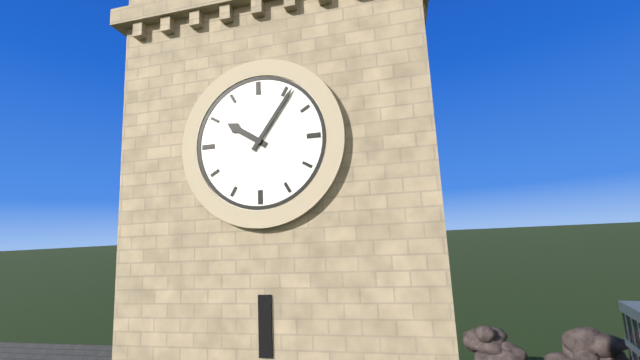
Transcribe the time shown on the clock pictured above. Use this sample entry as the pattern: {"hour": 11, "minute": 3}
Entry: {"hour": 10, "minute": 6}
